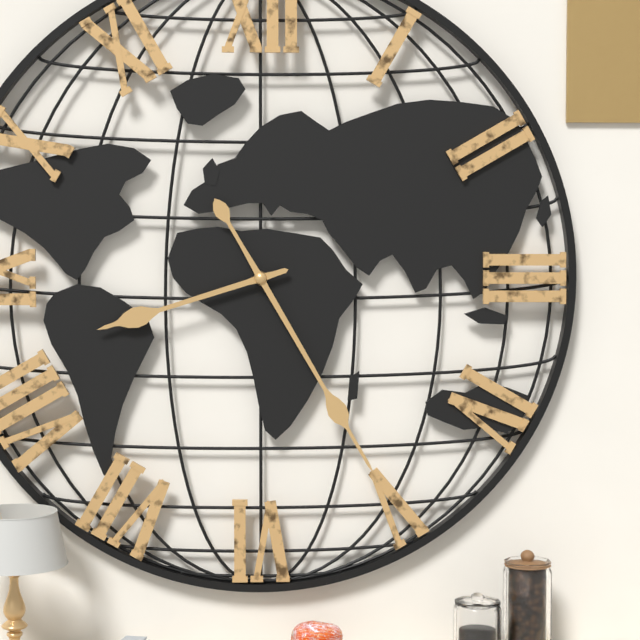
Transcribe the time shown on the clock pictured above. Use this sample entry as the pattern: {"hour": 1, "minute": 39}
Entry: {"hour": 8, "minute": 25}
